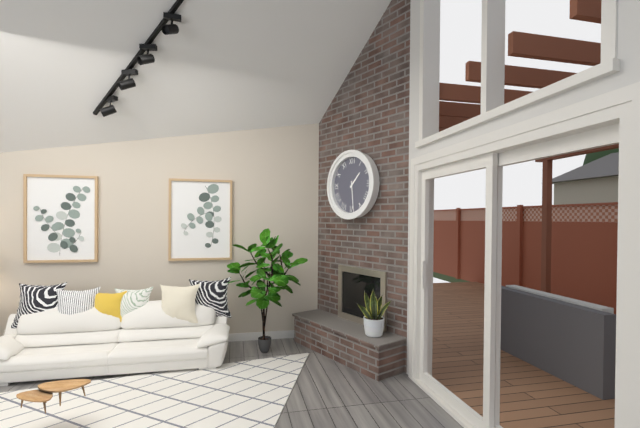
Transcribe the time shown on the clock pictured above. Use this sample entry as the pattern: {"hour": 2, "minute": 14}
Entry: {"hour": 1, "minute": 29}
